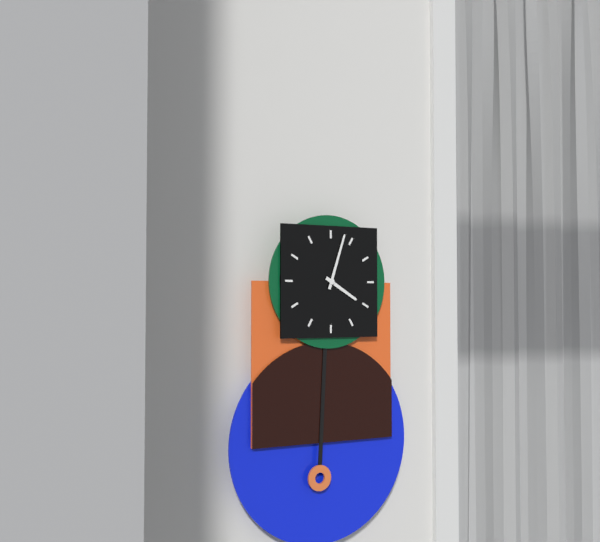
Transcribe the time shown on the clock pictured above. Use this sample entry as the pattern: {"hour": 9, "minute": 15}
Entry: {"hour": 4, "minute": 3}
